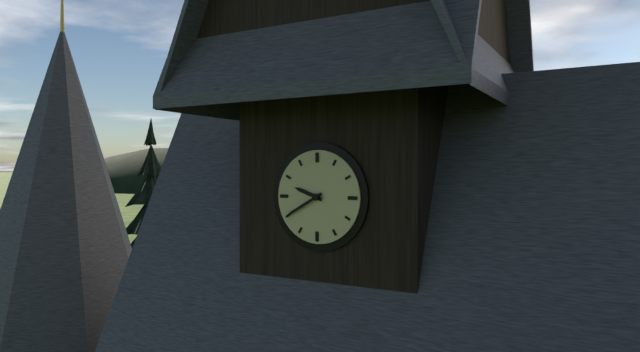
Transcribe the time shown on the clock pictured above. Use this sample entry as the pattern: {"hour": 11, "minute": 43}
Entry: {"hour": 9, "minute": 40}
